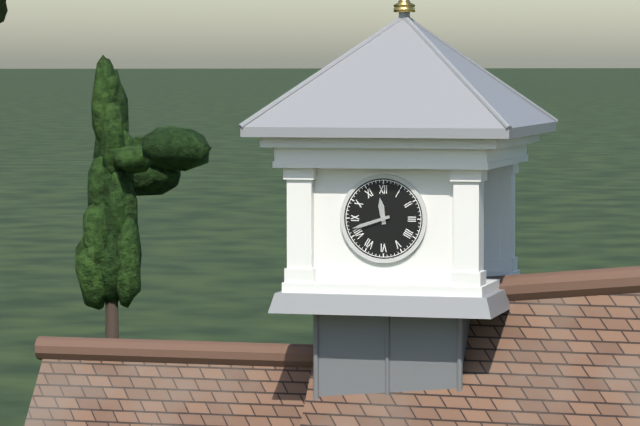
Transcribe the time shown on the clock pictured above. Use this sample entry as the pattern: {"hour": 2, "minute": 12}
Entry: {"hour": 11, "minute": 42}
